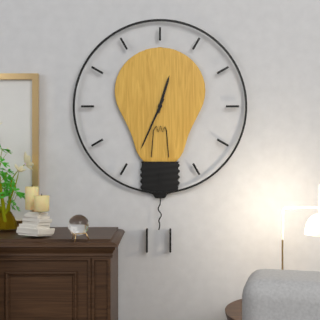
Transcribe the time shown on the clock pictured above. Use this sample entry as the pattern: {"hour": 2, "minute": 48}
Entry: {"hour": 12, "minute": 34}
